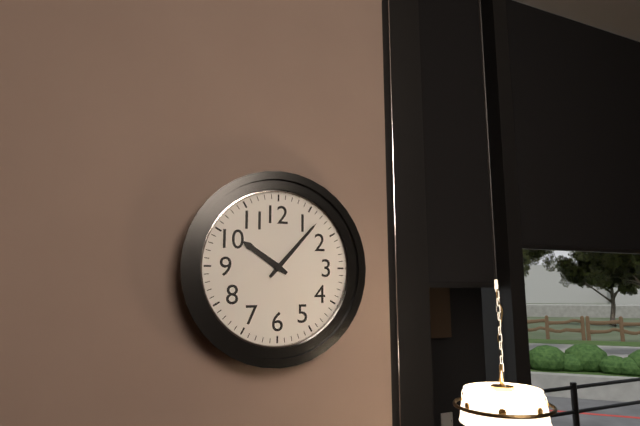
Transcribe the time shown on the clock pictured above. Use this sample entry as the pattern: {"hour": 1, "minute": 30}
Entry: {"hour": 10, "minute": 7}
